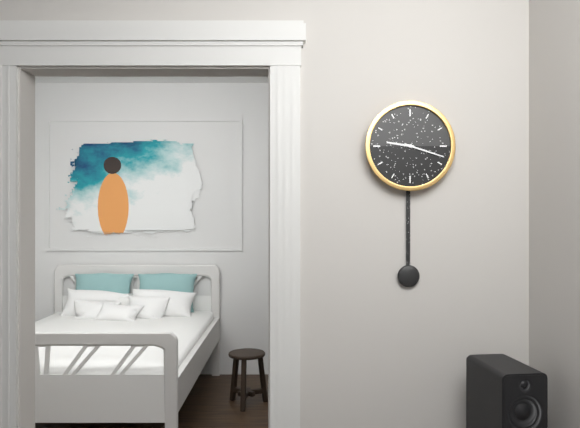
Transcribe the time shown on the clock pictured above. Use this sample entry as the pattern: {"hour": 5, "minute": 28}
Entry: {"hour": 9, "minute": 18}
